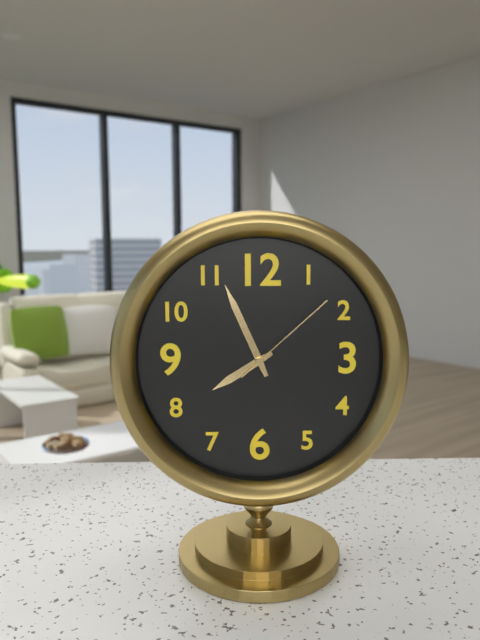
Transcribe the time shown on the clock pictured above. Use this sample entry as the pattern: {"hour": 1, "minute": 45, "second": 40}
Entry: {"hour": 7, "minute": 56, "second": 8}
